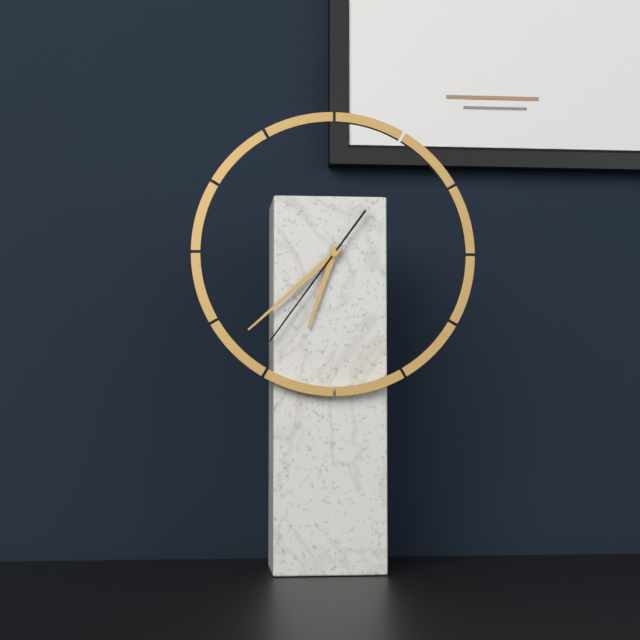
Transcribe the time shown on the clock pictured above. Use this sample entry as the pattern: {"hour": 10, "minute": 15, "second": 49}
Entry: {"hour": 6, "minute": 38, "second": 36}
